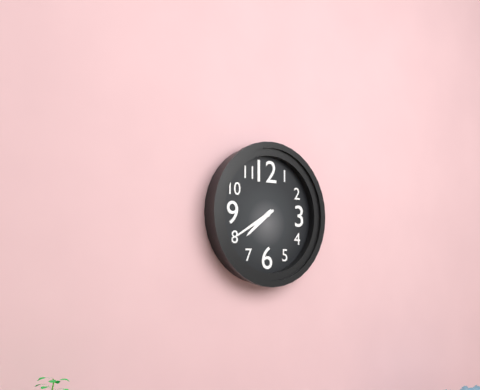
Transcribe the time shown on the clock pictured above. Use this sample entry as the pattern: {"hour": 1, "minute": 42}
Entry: {"hour": 7, "minute": 40}
